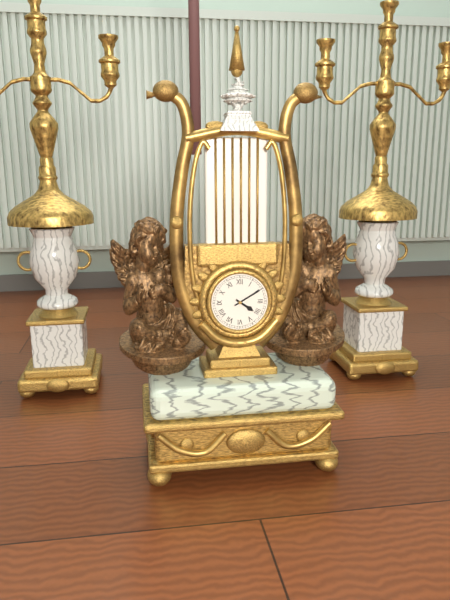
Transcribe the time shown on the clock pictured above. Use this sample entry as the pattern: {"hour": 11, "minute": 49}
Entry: {"hour": 4, "minute": 10}
